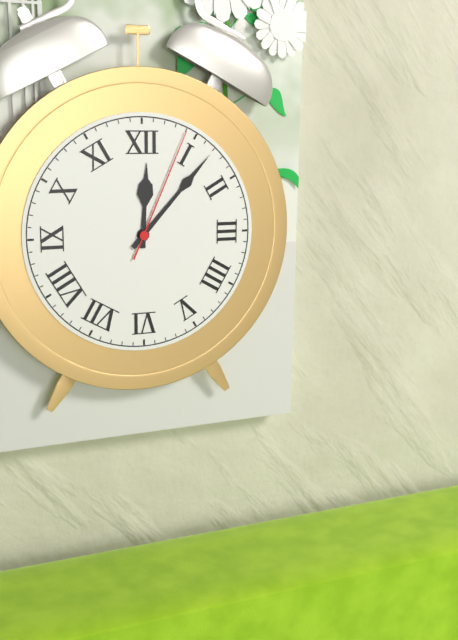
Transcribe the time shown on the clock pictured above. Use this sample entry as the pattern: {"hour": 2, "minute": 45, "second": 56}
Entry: {"hour": 12, "minute": 7, "second": 4}
